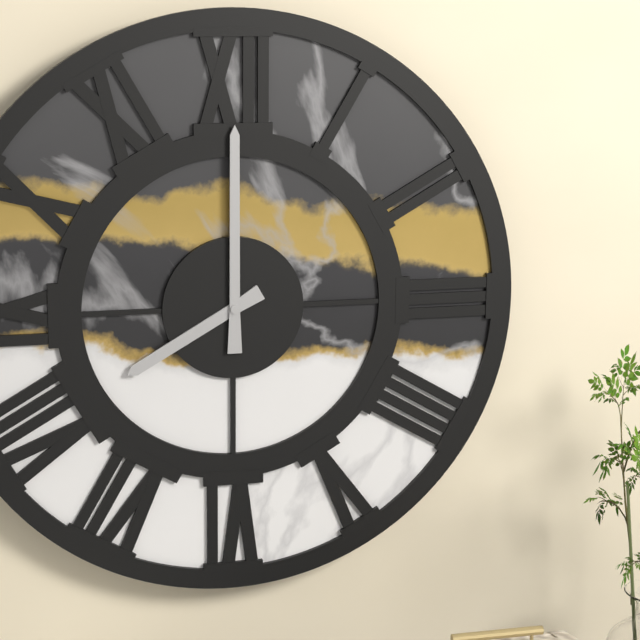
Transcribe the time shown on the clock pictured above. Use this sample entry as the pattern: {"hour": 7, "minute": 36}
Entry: {"hour": 8, "minute": 0}
